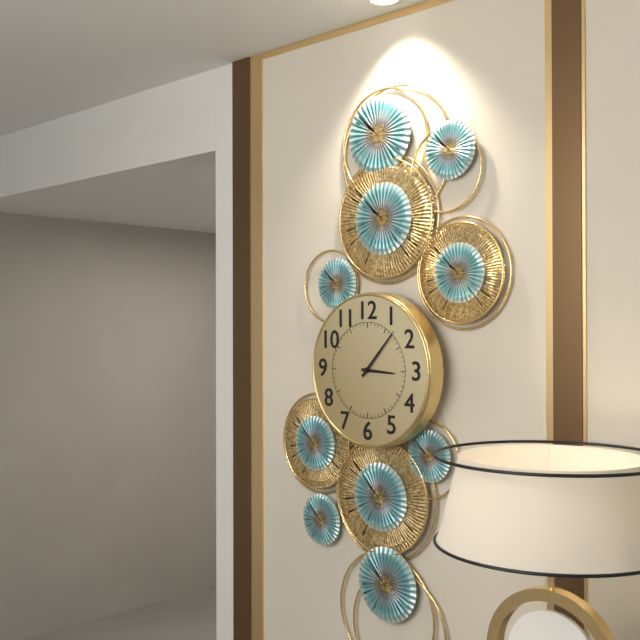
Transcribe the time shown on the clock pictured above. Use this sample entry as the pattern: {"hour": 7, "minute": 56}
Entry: {"hour": 3, "minute": 7}
